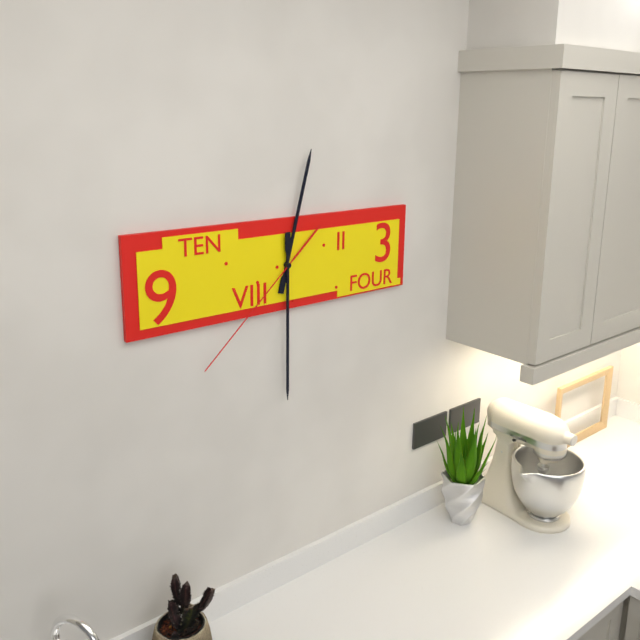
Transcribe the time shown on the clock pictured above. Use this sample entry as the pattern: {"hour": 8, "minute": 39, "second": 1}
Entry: {"hour": 12, "minute": 30, "second": 38}
